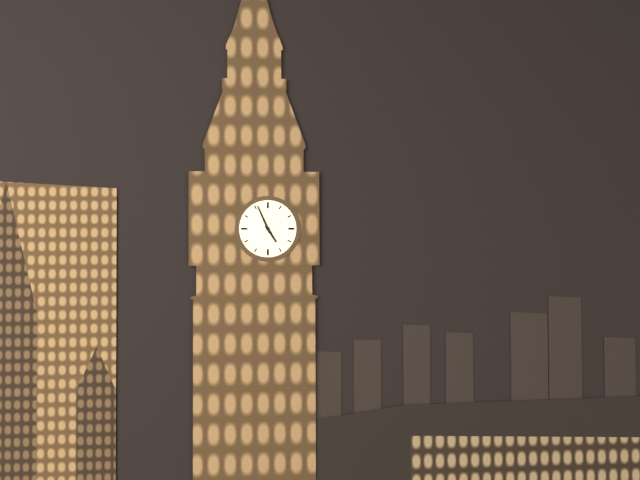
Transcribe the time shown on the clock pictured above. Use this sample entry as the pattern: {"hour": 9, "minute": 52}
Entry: {"hour": 4, "minute": 56}
